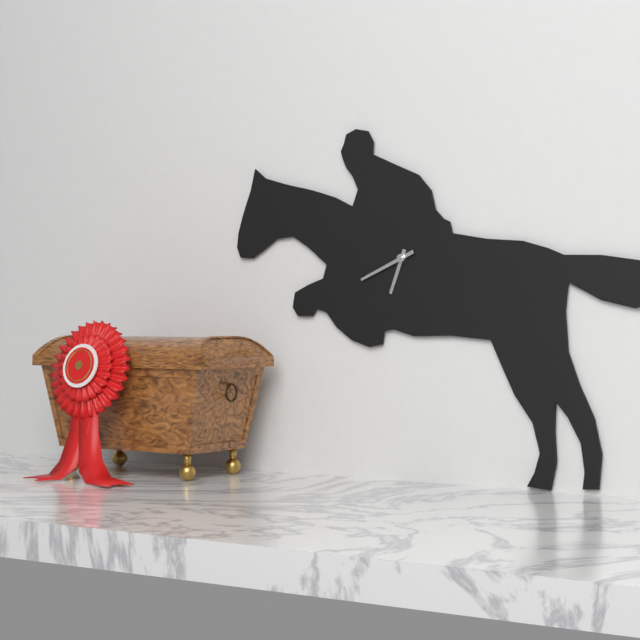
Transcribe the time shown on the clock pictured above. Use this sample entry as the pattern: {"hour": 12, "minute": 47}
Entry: {"hour": 6, "minute": 41}
